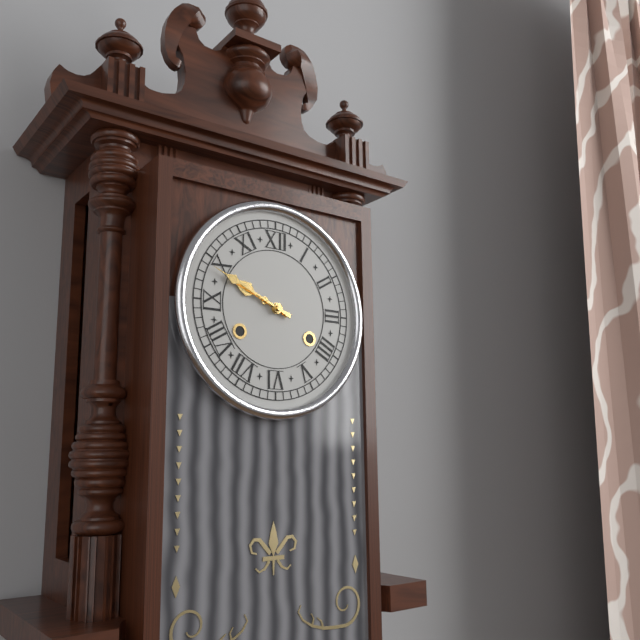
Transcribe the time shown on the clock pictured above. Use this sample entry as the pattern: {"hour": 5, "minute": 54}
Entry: {"hour": 9, "minute": 49}
